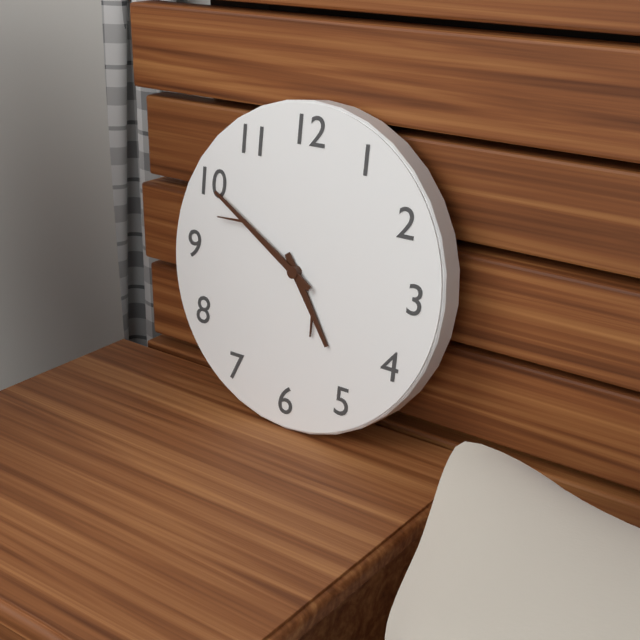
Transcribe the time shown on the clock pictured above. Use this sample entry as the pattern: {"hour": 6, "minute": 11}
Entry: {"hour": 4, "minute": 50}
